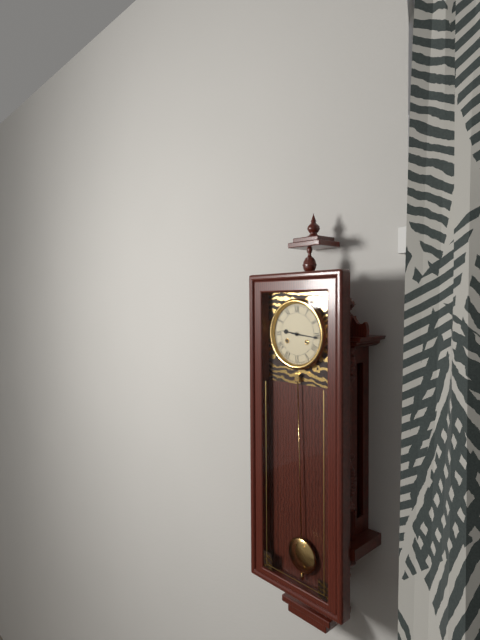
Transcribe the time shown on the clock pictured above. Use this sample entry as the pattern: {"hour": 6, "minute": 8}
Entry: {"hour": 9, "minute": 16}
